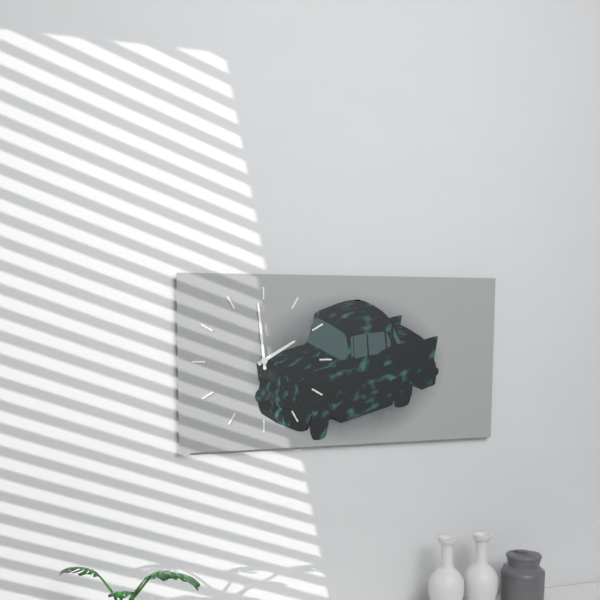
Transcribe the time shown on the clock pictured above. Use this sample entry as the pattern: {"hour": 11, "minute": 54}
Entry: {"hour": 1, "minute": 59}
